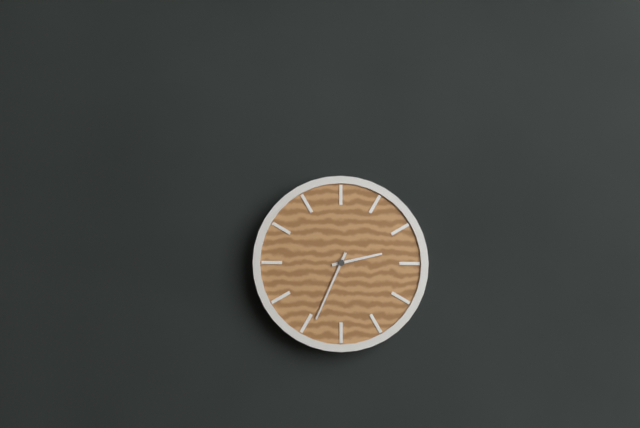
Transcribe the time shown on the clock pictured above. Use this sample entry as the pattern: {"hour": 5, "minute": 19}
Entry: {"hour": 2, "minute": 34}
